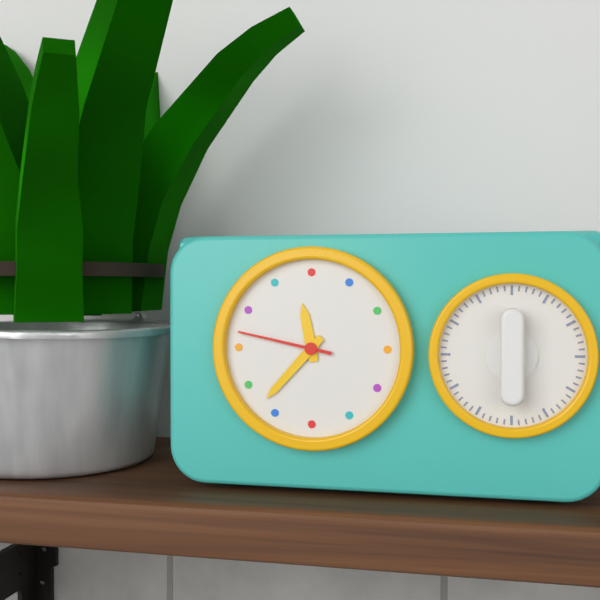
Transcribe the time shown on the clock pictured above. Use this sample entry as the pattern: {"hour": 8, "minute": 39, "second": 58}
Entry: {"hour": 11, "minute": 37, "second": 47}
